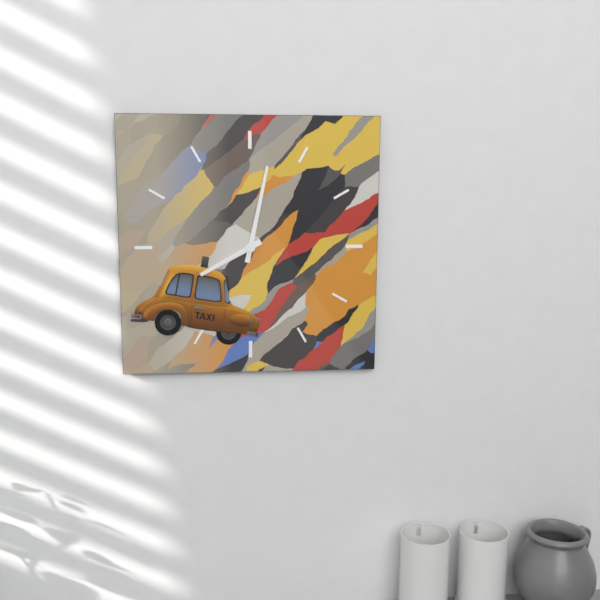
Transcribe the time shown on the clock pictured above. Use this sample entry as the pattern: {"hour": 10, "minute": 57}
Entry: {"hour": 8, "minute": 2}
